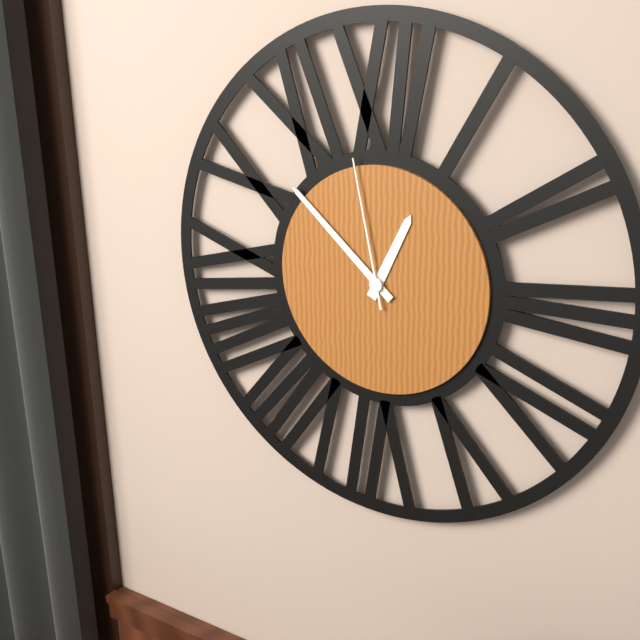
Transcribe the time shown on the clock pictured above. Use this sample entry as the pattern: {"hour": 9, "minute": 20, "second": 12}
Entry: {"hour": 12, "minute": 52, "second": 58}
